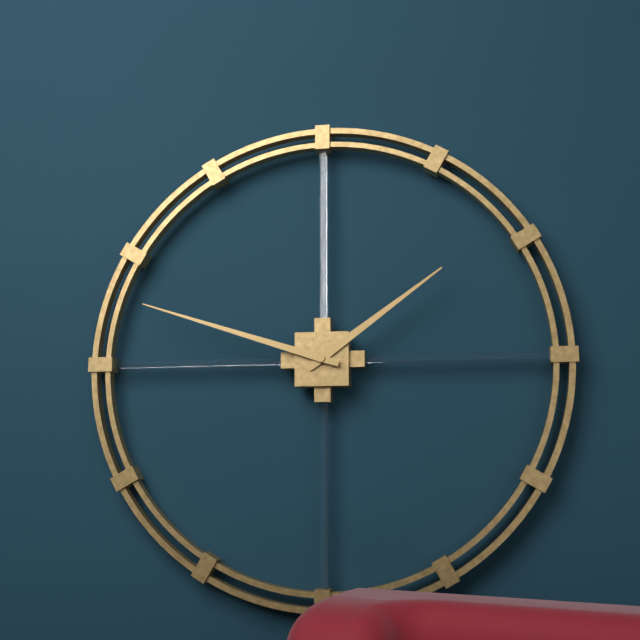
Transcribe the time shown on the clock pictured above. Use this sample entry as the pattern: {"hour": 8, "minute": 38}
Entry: {"hour": 1, "minute": 48}
